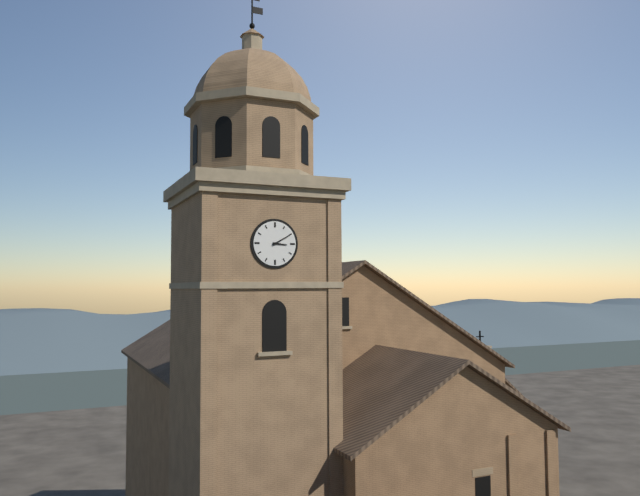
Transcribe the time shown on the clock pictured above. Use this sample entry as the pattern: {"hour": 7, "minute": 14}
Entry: {"hour": 3, "minute": 10}
